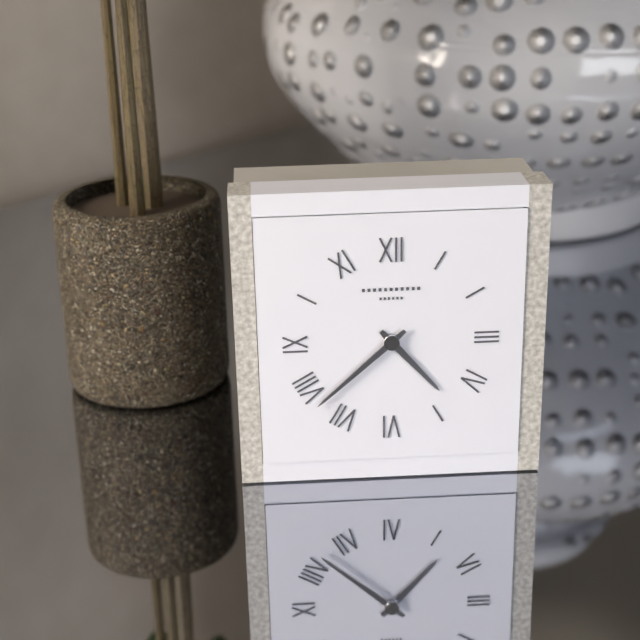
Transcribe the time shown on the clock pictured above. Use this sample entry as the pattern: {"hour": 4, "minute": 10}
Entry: {"hour": 4, "minute": 38}
